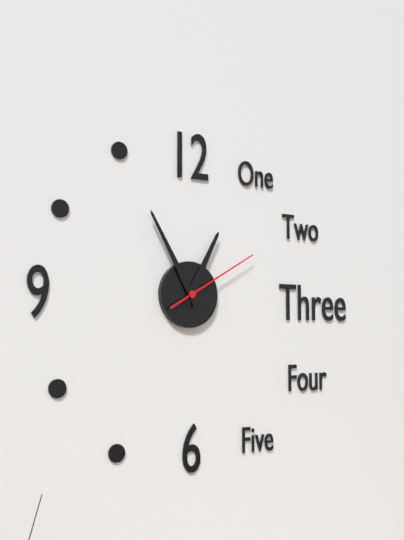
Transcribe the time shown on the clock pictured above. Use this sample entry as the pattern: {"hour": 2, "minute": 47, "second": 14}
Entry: {"hour": 12, "minute": 55, "second": 10}
